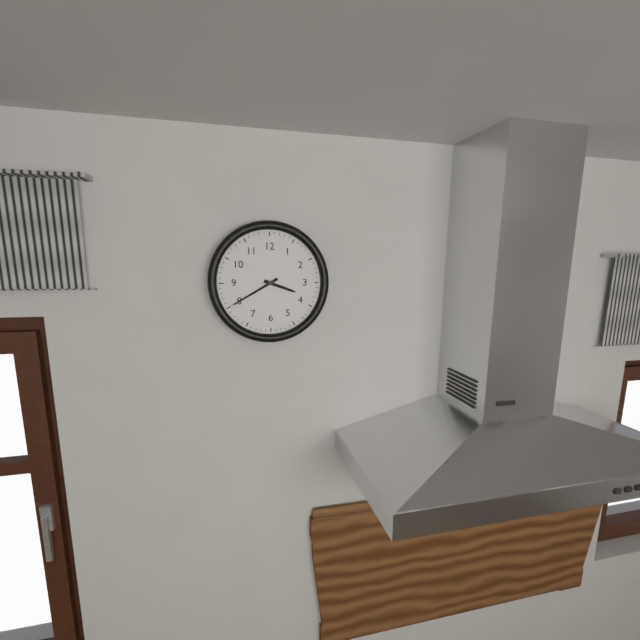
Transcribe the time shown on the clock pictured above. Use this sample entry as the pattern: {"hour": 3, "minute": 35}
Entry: {"hour": 3, "minute": 40}
